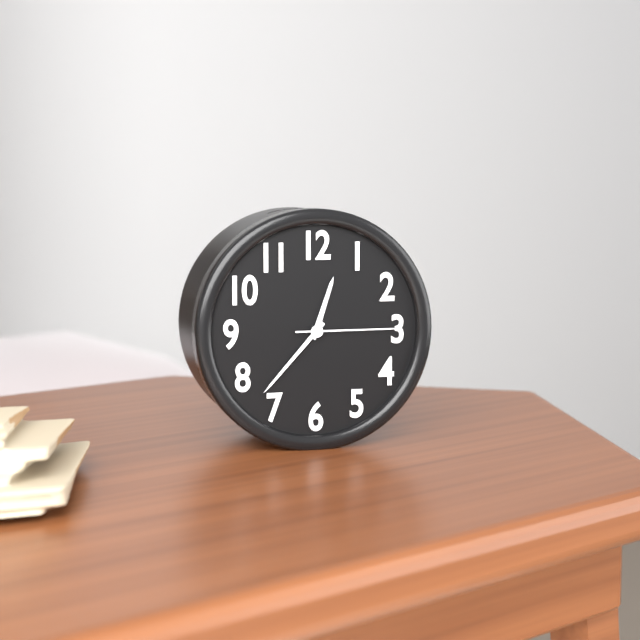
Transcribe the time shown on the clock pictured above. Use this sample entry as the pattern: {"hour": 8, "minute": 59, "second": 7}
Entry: {"hour": 12, "minute": 37, "second": 15}
